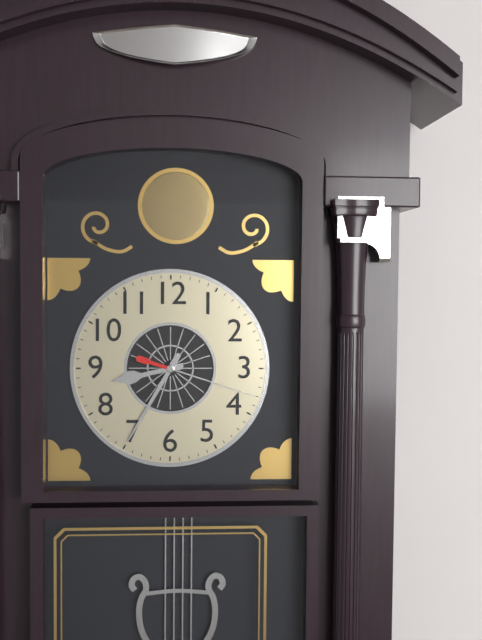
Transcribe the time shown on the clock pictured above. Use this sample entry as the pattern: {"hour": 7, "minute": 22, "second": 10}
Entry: {"hour": 8, "minute": 35, "second": 18}
